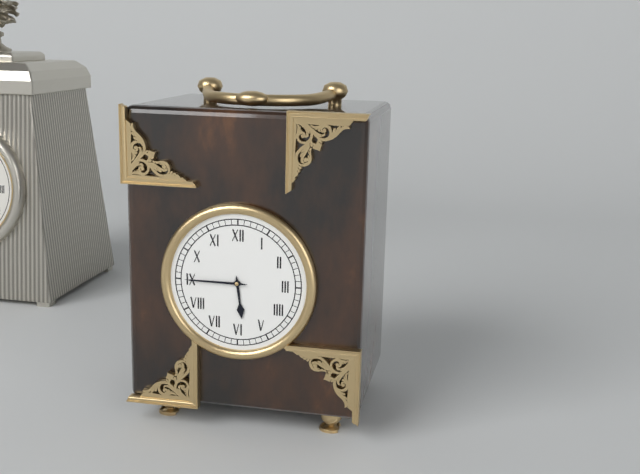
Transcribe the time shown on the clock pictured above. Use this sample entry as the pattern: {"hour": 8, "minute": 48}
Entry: {"hour": 5, "minute": 45}
